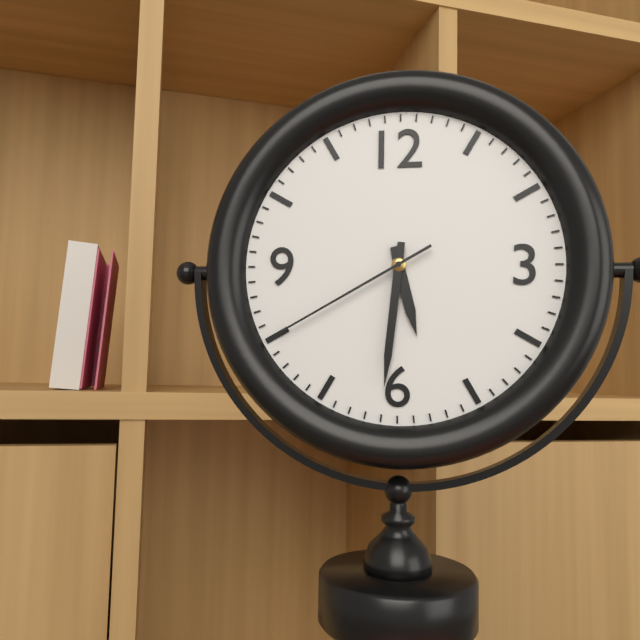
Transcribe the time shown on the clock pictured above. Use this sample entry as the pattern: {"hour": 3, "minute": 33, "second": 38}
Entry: {"hour": 5, "minute": 31, "second": 40}
